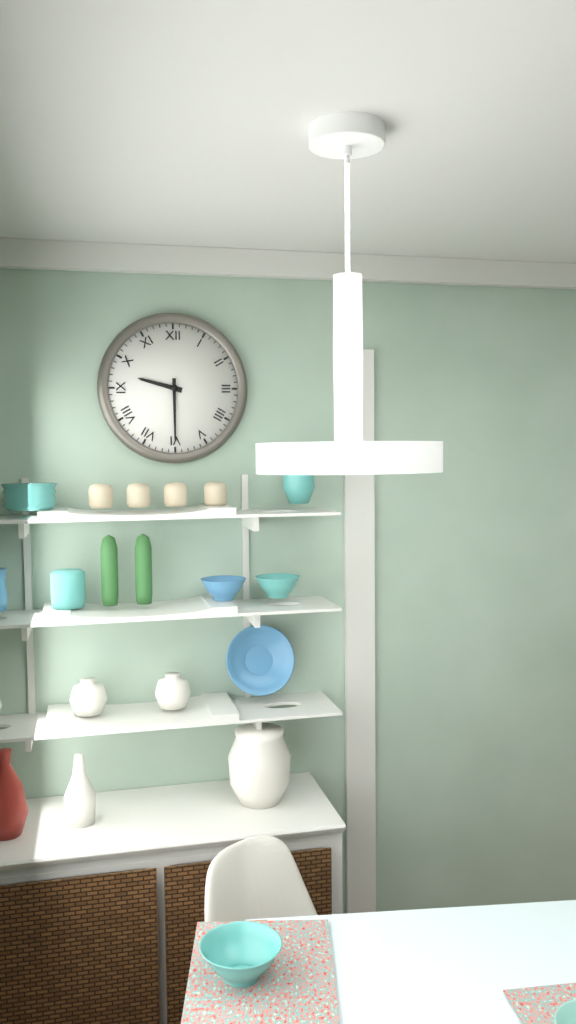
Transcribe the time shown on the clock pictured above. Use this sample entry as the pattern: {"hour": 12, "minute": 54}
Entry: {"hour": 9, "minute": 30}
